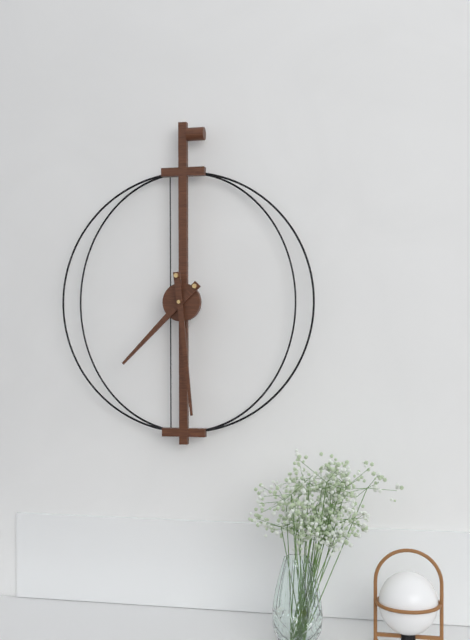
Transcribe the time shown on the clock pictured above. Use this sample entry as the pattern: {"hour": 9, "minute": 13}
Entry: {"hour": 7, "minute": 29}
